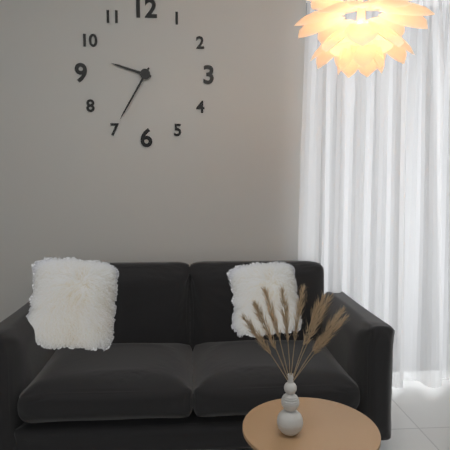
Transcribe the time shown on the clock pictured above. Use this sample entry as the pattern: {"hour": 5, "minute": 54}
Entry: {"hour": 9, "minute": 35}
